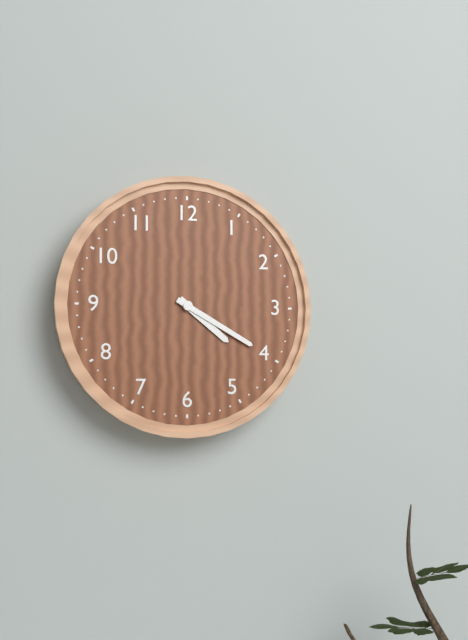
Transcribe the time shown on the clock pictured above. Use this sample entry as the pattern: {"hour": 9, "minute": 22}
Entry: {"hour": 4, "minute": 20}
